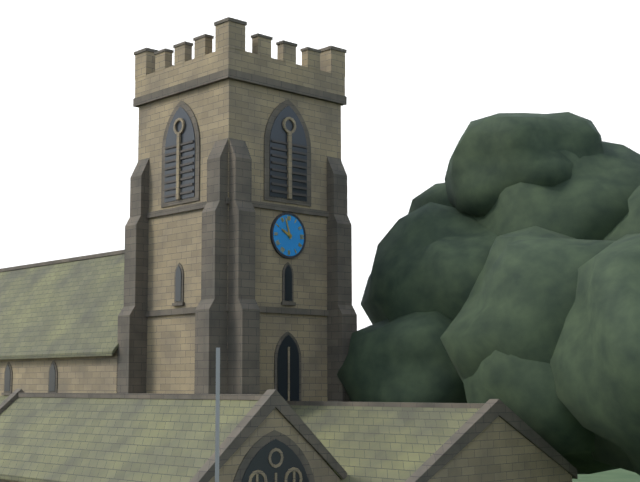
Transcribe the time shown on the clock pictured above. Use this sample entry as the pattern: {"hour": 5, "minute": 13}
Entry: {"hour": 9, "minute": 57}
